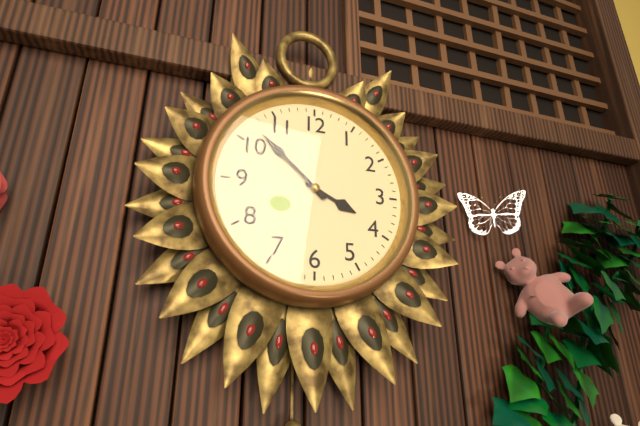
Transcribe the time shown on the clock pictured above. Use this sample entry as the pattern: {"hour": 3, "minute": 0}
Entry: {"hour": 3, "minute": 52}
